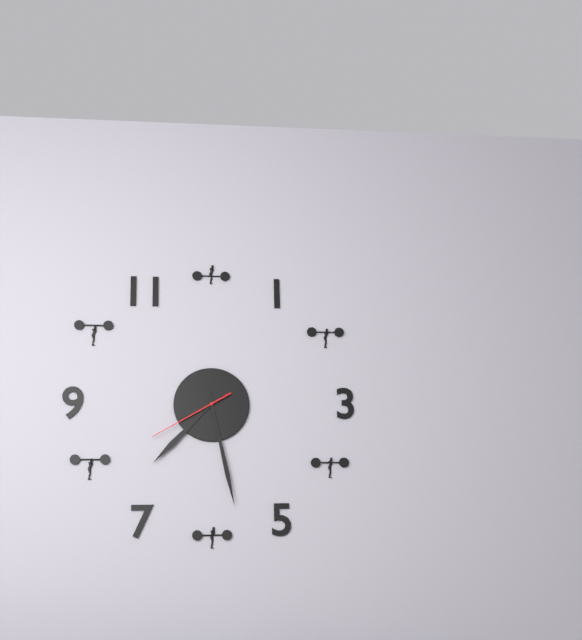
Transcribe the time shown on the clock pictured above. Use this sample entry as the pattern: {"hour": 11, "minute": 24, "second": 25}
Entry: {"hour": 7, "minute": 28, "second": 40}
